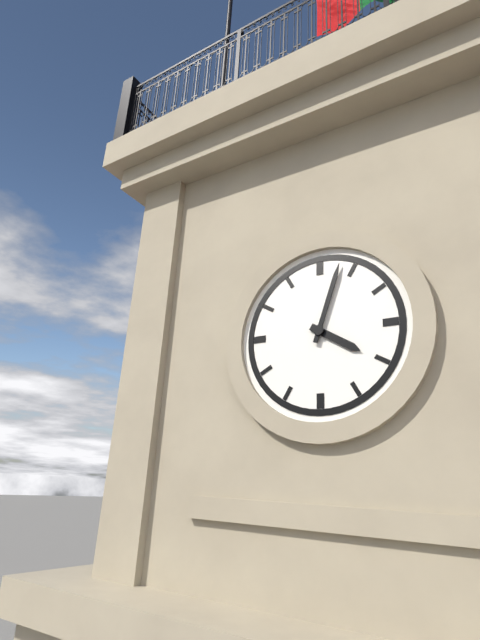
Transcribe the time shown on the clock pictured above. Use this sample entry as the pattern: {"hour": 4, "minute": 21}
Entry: {"hour": 4, "minute": 3}
